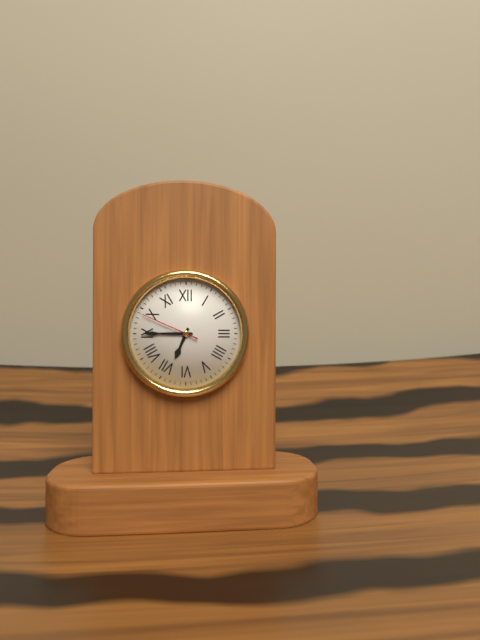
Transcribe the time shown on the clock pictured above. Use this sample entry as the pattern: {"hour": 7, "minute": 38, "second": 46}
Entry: {"hour": 6, "minute": 45, "second": 49}
